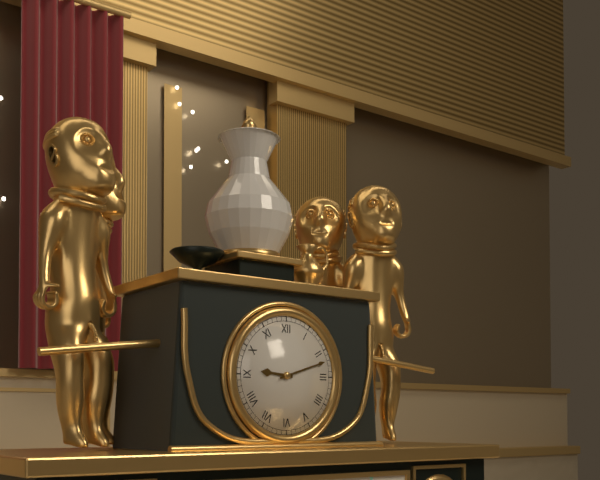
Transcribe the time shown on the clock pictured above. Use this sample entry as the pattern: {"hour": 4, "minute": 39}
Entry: {"hour": 9, "minute": 12}
